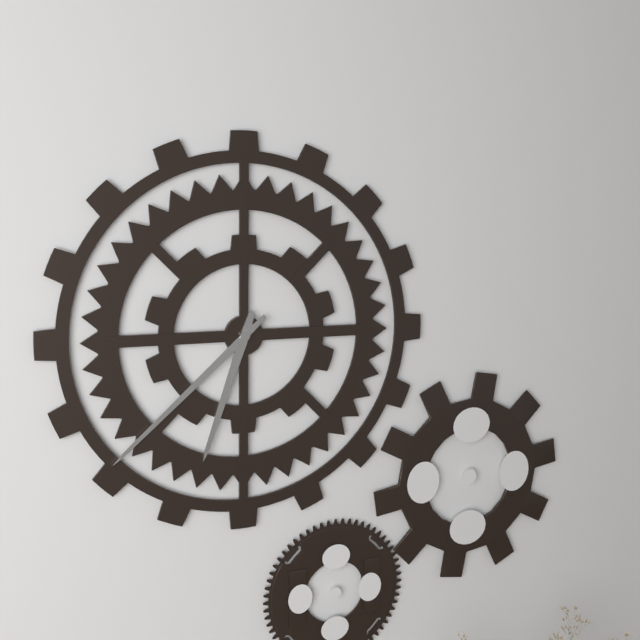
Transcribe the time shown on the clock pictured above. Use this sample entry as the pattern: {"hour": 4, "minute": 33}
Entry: {"hour": 6, "minute": 38}
